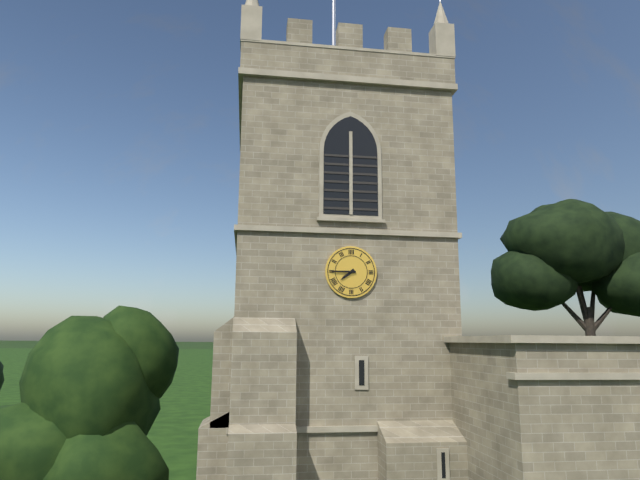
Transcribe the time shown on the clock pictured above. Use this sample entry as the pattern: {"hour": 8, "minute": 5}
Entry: {"hour": 7, "minute": 45}
